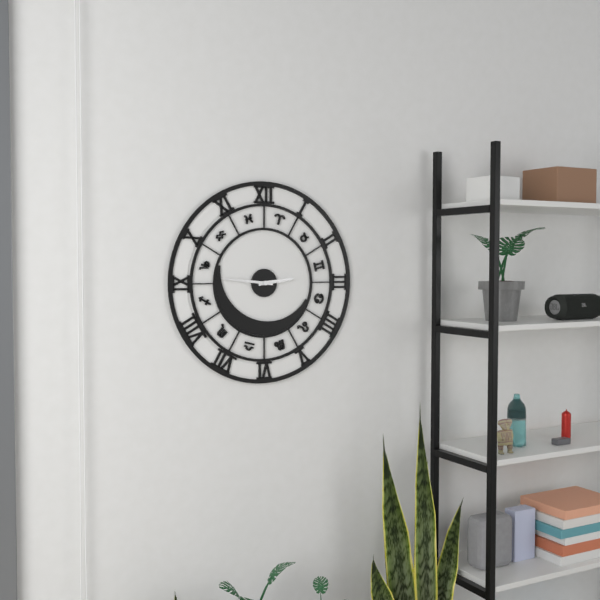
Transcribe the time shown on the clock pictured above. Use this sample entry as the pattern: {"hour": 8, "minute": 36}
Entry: {"hour": 2, "minute": 46}
